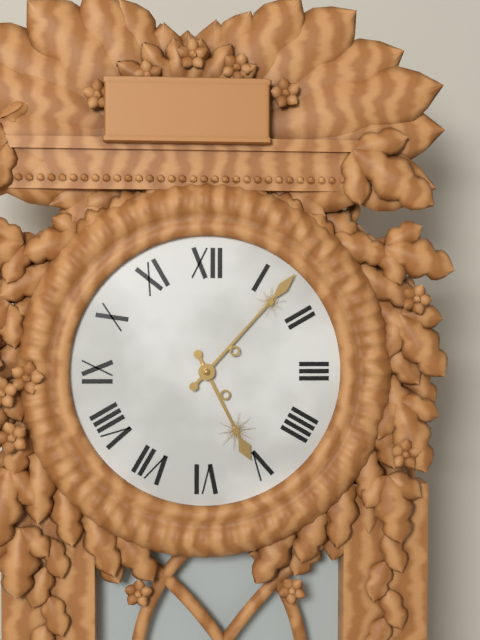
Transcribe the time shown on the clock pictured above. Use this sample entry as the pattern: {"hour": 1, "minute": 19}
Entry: {"hour": 5, "minute": 7}
